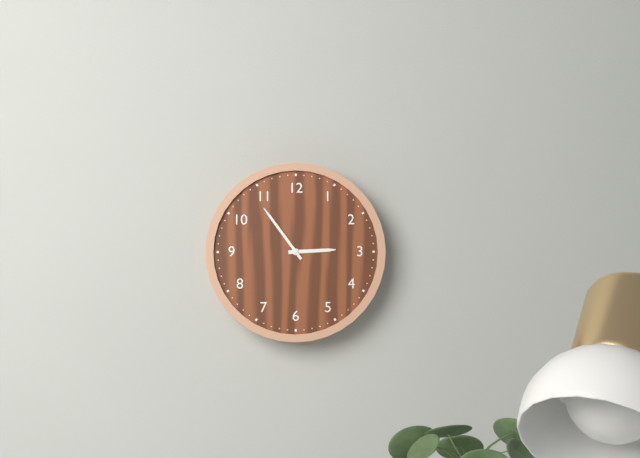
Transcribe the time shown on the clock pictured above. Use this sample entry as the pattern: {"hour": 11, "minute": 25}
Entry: {"hour": 2, "minute": 54}
